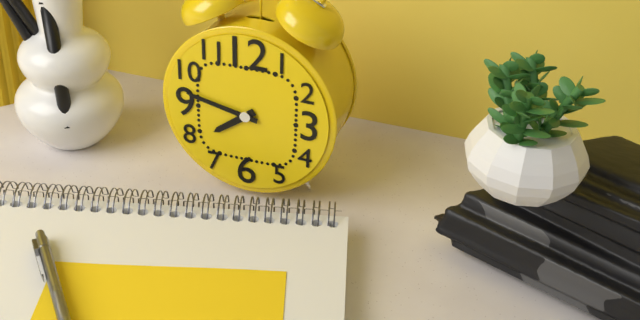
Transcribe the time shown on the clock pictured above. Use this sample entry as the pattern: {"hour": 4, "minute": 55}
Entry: {"hour": 7, "minute": 47}
